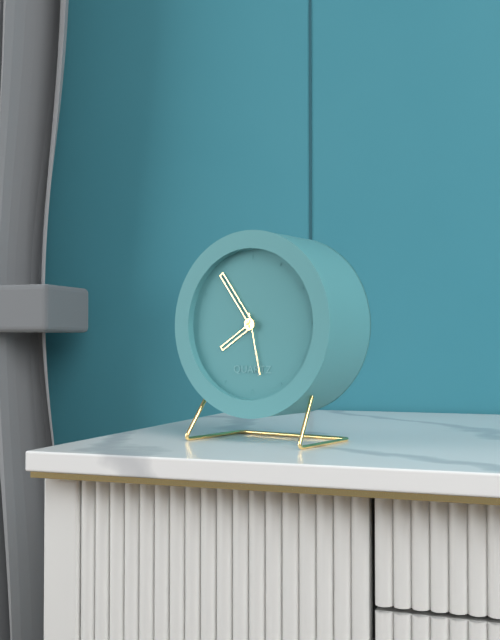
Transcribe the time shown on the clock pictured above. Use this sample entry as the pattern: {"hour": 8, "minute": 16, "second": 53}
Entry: {"hour": 7, "minute": 54, "second": 28}
